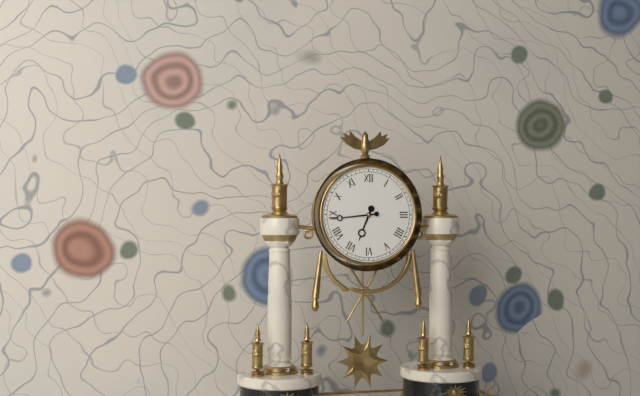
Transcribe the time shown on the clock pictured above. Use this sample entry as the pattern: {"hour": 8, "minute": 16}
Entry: {"hour": 6, "minute": 44}
